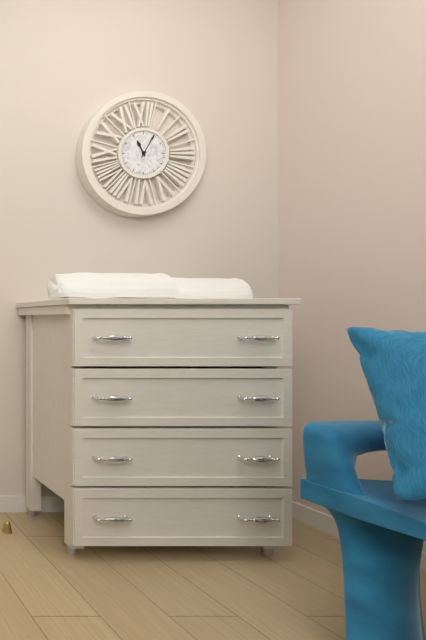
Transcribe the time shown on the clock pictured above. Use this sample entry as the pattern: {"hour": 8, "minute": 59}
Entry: {"hour": 11, "minute": 5}
